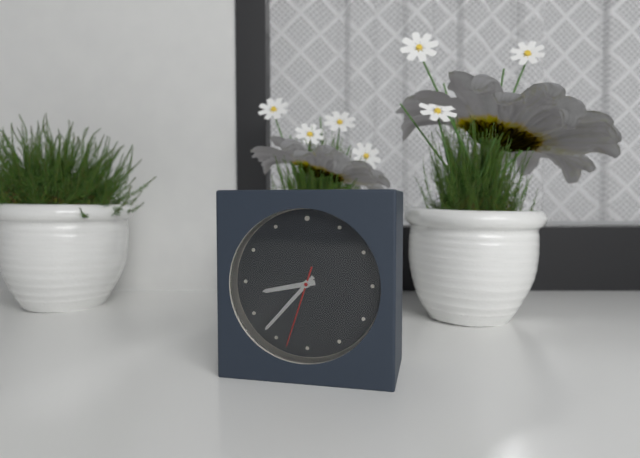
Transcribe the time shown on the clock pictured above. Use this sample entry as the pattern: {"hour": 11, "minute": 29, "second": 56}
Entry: {"hour": 8, "minute": 37, "second": 33}
